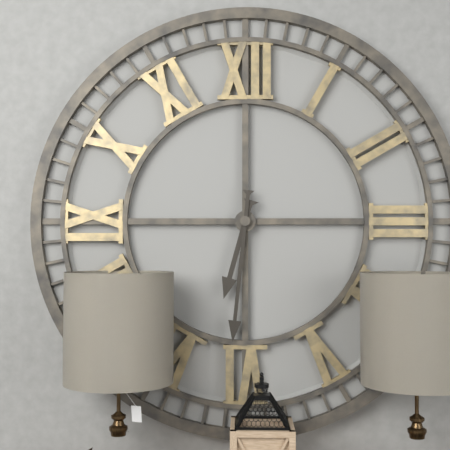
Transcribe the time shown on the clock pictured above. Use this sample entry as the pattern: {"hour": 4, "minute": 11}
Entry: {"hour": 6, "minute": 31}
